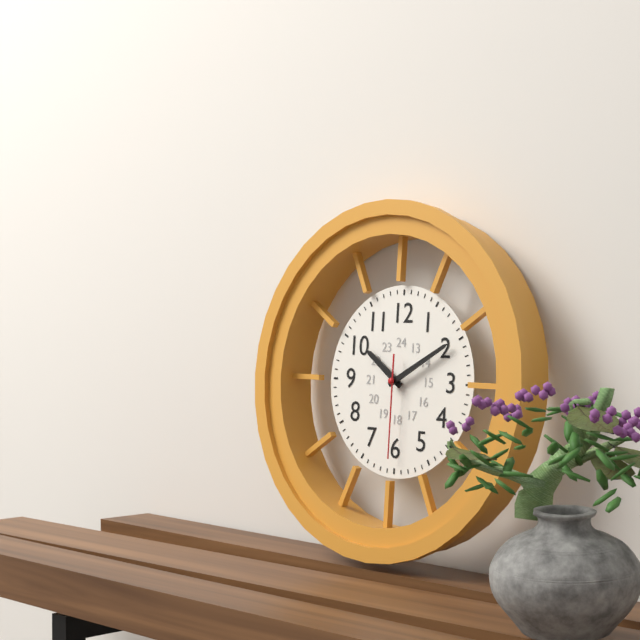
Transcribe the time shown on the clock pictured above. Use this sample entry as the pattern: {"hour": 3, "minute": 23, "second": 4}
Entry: {"hour": 10, "minute": 10, "second": 30}
